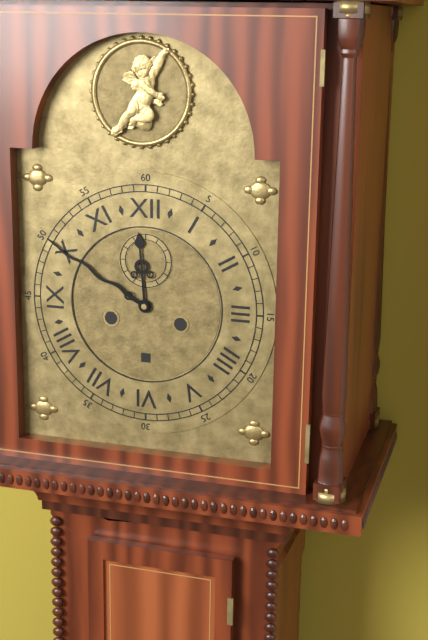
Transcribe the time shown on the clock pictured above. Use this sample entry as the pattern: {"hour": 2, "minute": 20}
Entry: {"hour": 11, "minute": 50}
